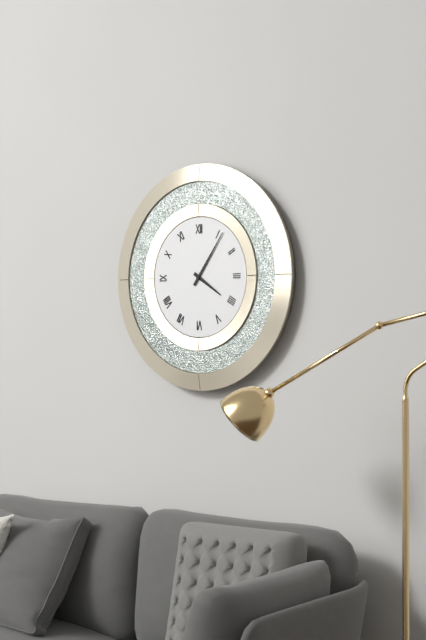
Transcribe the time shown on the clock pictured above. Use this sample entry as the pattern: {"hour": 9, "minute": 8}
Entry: {"hour": 4, "minute": 6}
